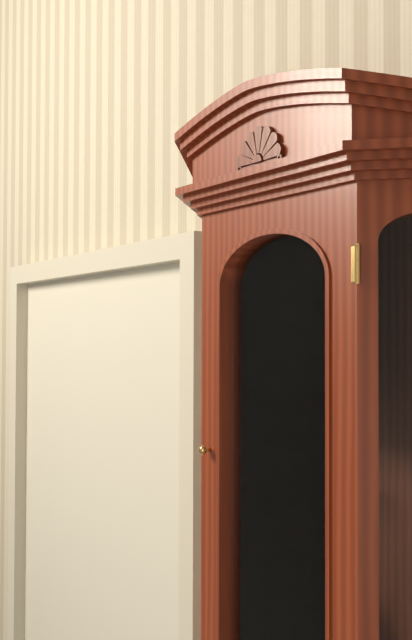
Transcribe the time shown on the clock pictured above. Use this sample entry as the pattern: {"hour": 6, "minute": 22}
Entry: {"hour": 11, "minute": 14}
